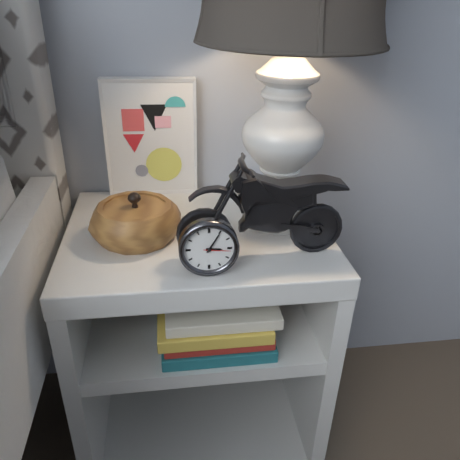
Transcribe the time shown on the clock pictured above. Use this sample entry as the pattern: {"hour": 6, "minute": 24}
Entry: {"hour": 3, "minute": 5}
